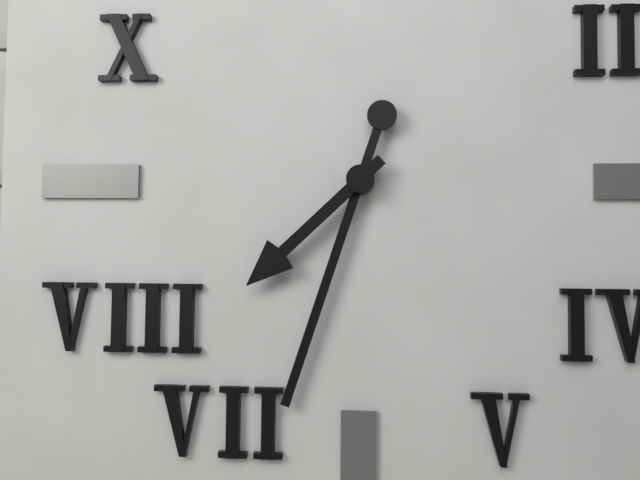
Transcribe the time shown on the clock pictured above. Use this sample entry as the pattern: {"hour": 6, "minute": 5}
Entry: {"hour": 7, "minute": 33}
